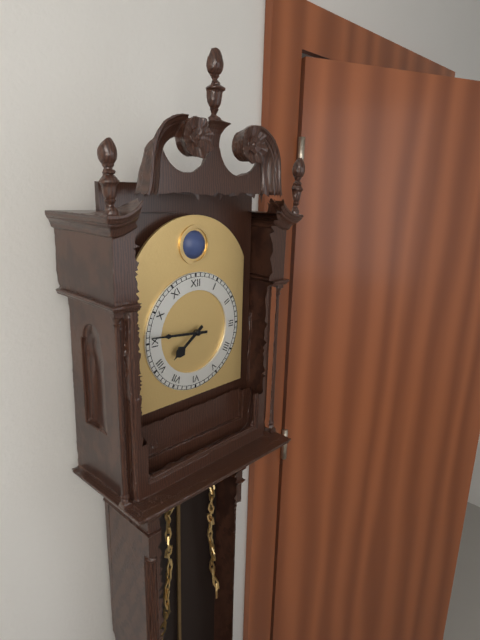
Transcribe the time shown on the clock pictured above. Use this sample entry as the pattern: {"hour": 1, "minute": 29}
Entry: {"hour": 7, "minute": 46}
